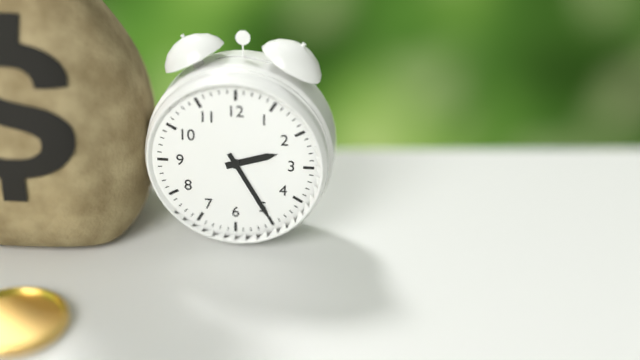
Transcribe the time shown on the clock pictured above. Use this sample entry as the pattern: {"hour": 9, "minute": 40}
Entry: {"hour": 2, "minute": 25}
